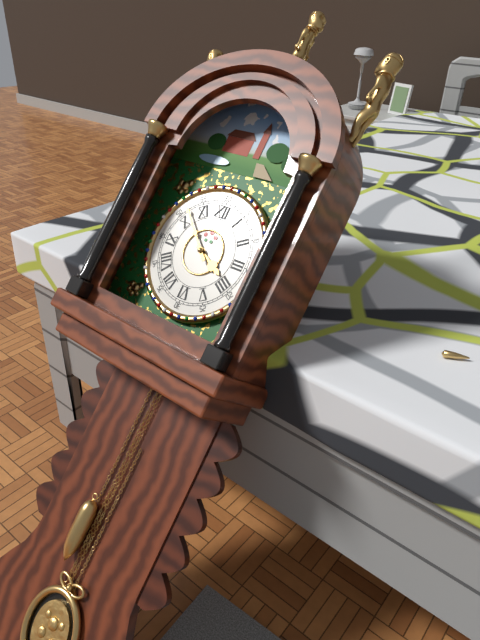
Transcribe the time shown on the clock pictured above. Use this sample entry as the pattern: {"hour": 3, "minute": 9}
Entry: {"hour": 3, "minute": 52}
